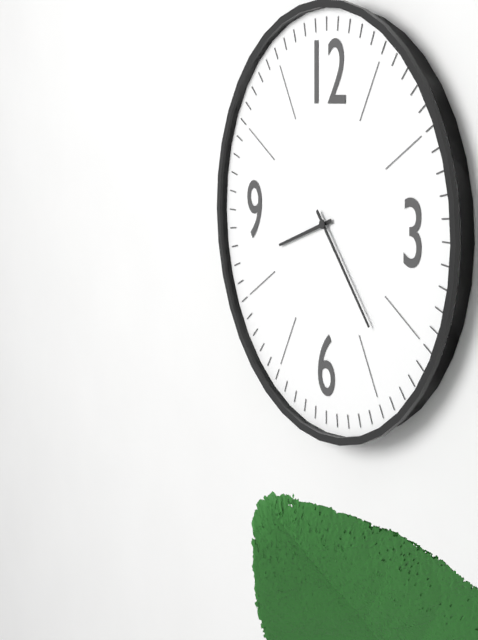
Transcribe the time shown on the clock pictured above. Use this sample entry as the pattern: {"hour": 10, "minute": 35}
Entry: {"hour": 8, "minute": 23}
